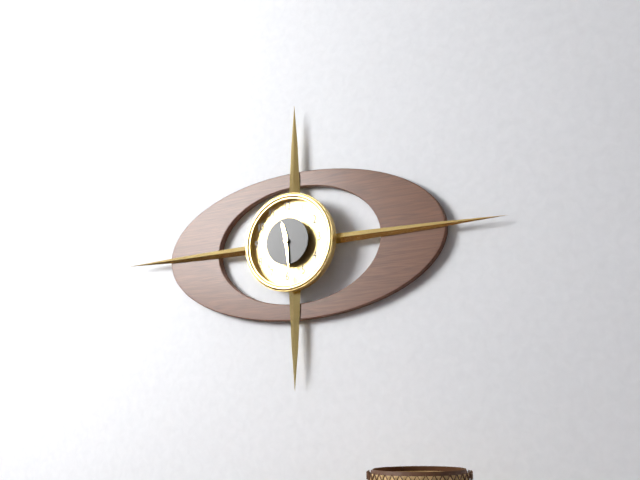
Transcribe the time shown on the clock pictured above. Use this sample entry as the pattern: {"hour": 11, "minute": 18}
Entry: {"hour": 11, "minute": 29}
